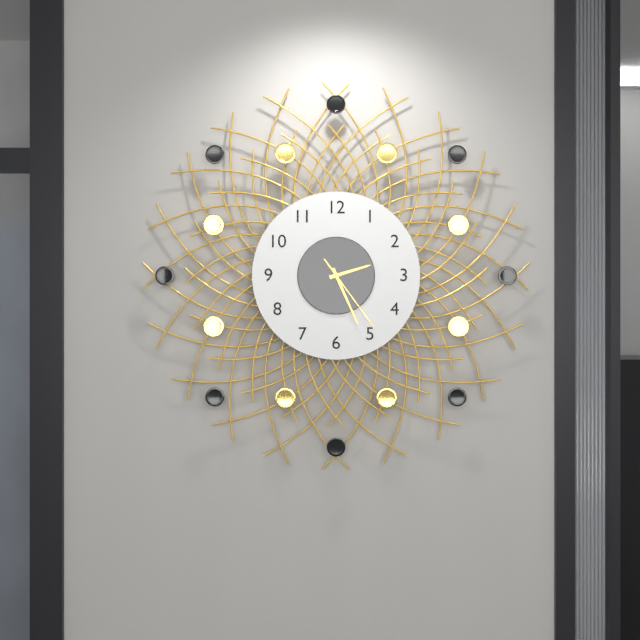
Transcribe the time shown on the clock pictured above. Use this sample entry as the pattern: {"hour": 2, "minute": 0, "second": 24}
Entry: {"hour": 2, "minute": 26, "second": 24}
